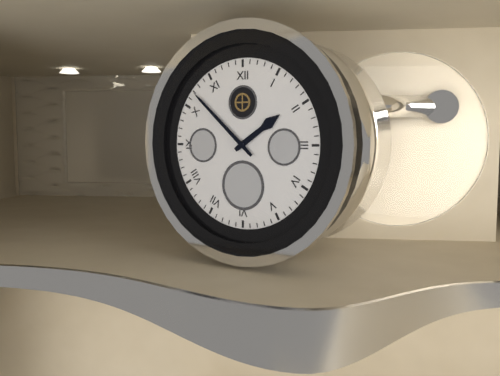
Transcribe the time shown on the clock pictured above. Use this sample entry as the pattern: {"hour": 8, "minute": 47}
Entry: {"hour": 1, "minute": 52}
